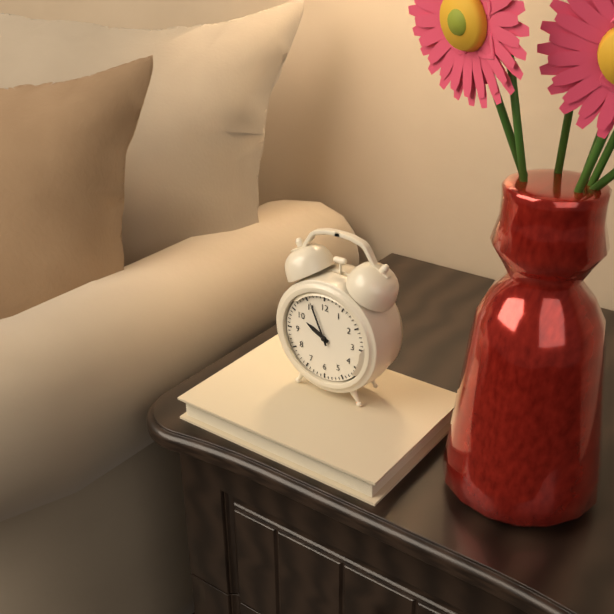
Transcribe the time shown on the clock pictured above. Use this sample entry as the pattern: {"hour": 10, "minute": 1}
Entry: {"hour": 9, "minute": 56}
